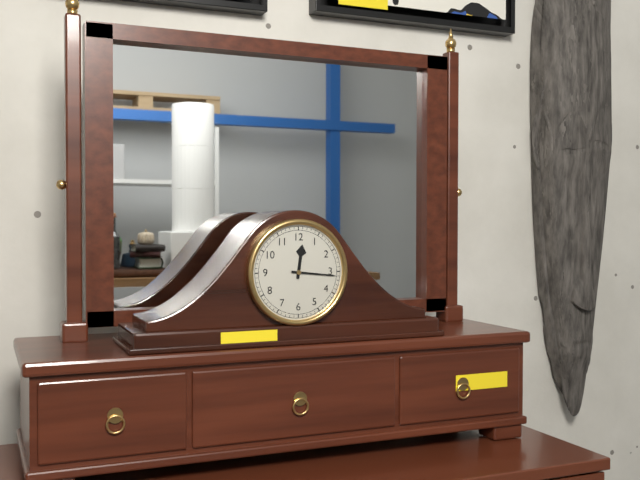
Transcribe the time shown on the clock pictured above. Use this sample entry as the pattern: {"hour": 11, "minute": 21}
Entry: {"hour": 12, "minute": 16}
